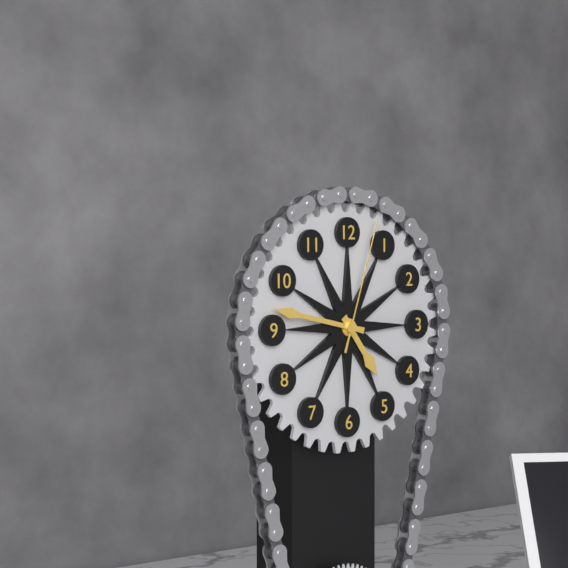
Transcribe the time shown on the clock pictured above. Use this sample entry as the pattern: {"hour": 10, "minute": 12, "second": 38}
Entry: {"hour": 4, "minute": 47, "second": 3}
